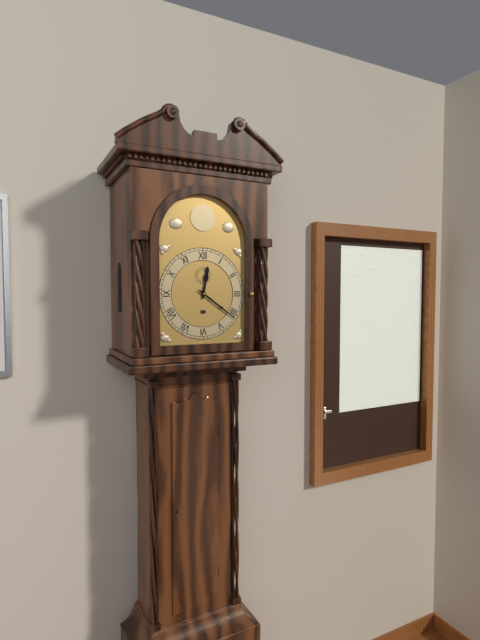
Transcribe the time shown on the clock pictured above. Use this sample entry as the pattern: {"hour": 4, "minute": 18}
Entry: {"hour": 12, "minute": 21}
